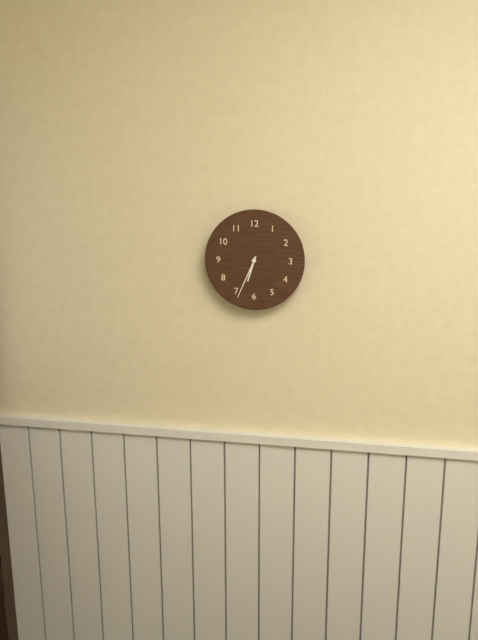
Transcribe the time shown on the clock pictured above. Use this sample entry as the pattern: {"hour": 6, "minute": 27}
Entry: {"hour": 6, "minute": 34}
